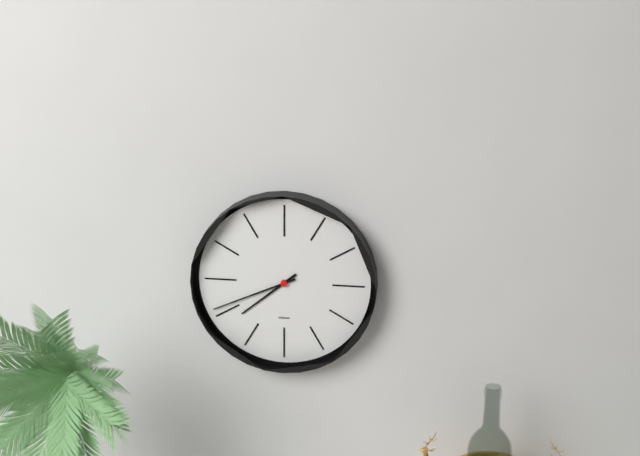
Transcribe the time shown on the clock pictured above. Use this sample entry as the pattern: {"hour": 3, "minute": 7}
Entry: {"hour": 7, "minute": 41}
